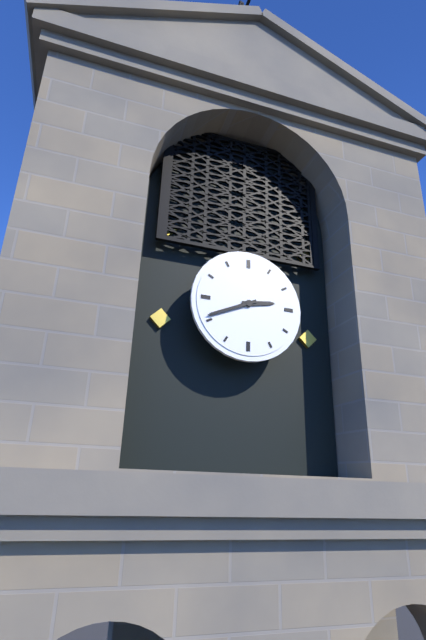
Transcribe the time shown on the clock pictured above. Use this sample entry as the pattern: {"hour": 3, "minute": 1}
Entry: {"hour": 2, "minute": 41}
